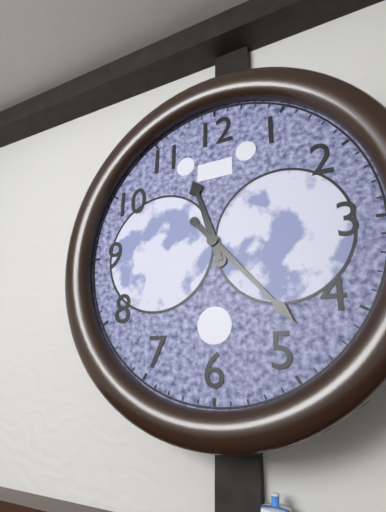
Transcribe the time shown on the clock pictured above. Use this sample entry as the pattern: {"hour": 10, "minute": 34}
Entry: {"hour": 11, "minute": 23}
